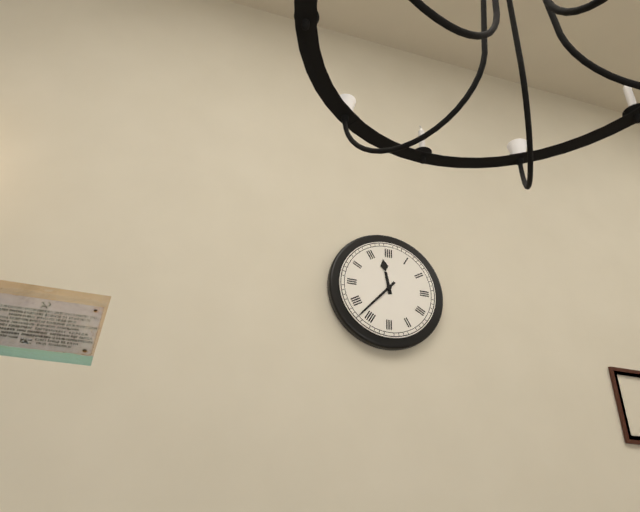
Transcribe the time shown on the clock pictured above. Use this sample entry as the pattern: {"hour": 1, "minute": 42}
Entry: {"hour": 11, "minute": 37}
